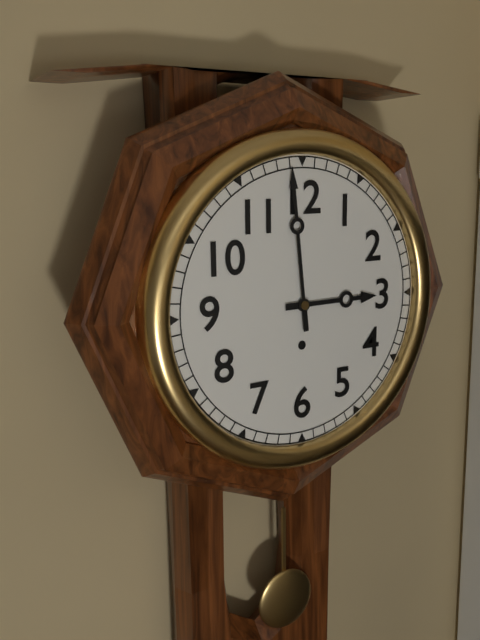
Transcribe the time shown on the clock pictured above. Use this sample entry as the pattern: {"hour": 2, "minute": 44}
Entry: {"hour": 2, "minute": 59}
